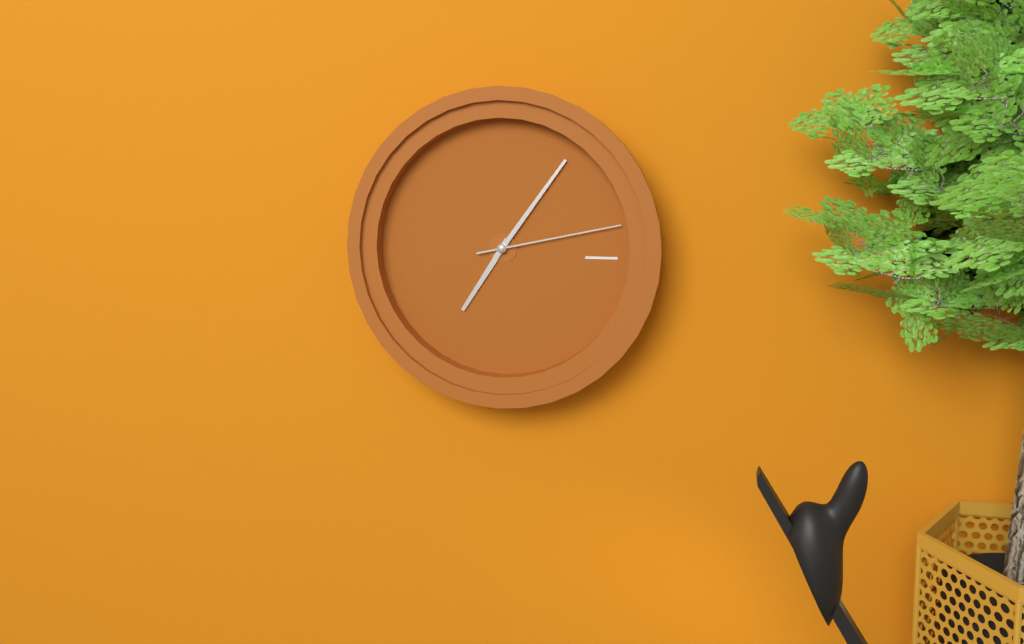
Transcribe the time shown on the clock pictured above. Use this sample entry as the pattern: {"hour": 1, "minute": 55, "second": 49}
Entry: {"hour": 7, "minute": 6, "second": 13}
